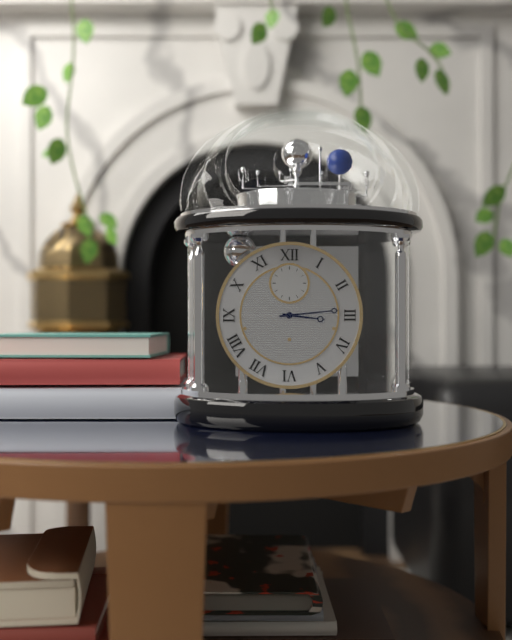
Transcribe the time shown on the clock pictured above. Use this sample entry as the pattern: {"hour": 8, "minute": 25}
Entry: {"hour": 3, "minute": 14}
